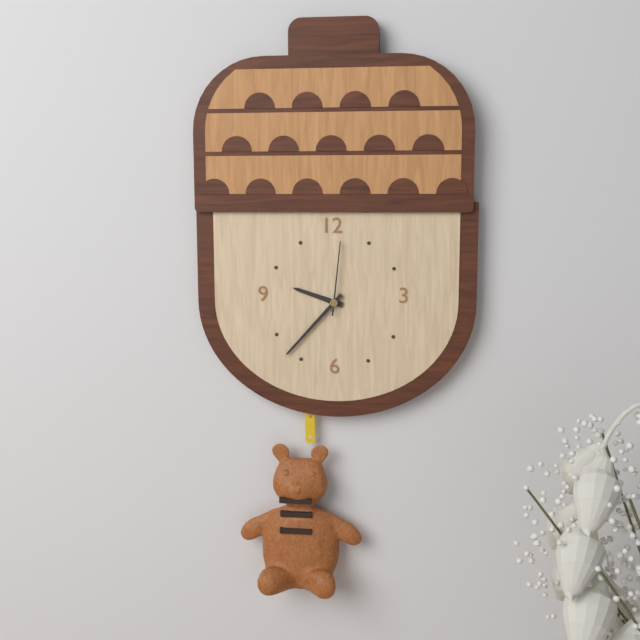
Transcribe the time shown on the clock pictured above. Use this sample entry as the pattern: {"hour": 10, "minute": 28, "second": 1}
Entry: {"hour": 9, "minute": 37, "second": 1}
